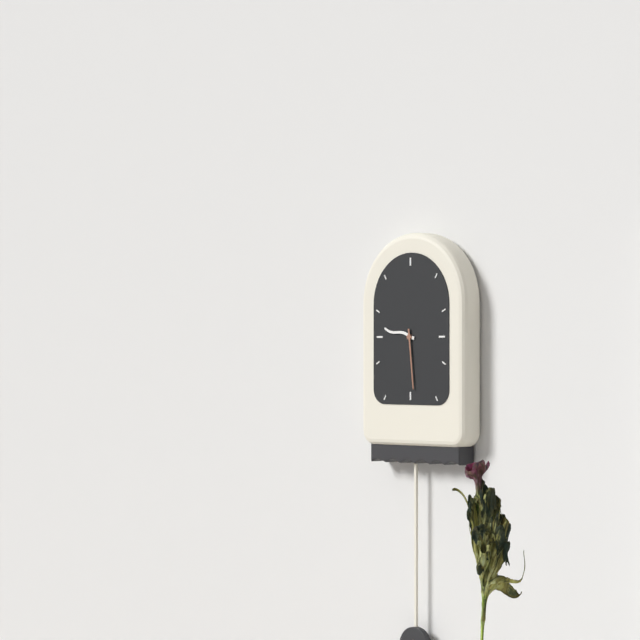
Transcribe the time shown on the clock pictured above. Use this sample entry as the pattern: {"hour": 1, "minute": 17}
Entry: {"hour": 9, "minute": 29}
